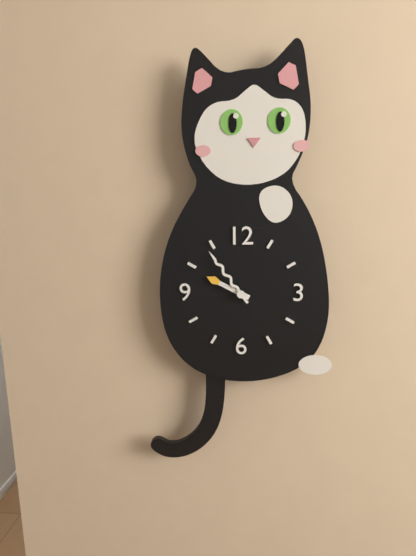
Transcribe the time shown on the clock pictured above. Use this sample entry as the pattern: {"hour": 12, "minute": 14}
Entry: {"hour": 9, "minute": 54}
